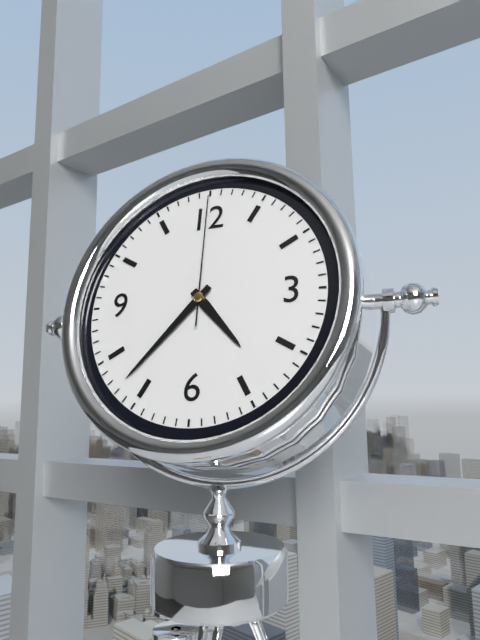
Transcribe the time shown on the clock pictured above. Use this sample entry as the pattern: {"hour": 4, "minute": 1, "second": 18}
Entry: {"hour": 4, "minute": 37, "second": 0}
